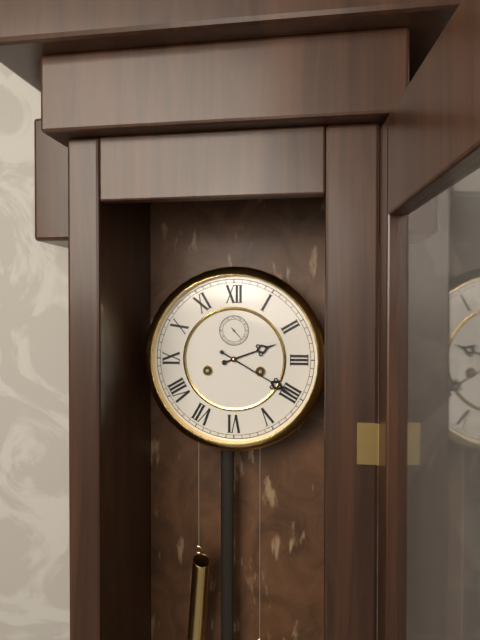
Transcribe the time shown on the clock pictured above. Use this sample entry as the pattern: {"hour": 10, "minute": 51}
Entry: {"hour": 2, "minute": 20}
